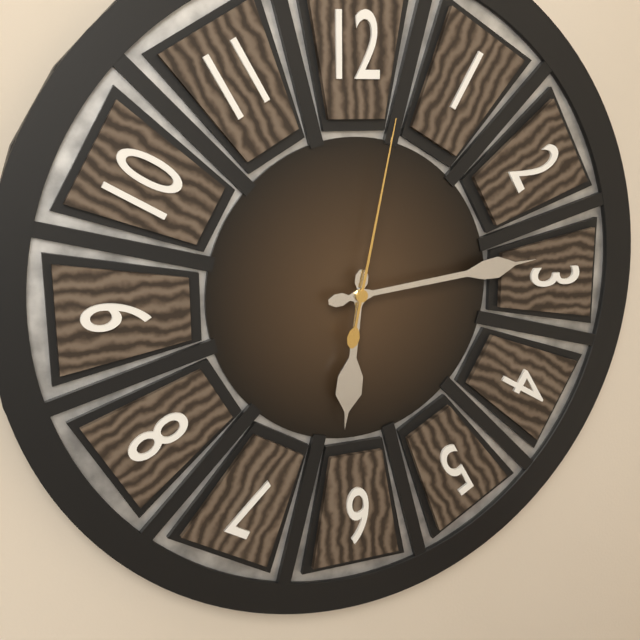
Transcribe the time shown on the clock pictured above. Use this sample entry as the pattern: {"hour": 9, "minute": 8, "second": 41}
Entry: {"hour": 6, "minute": 14, "second": 2}
